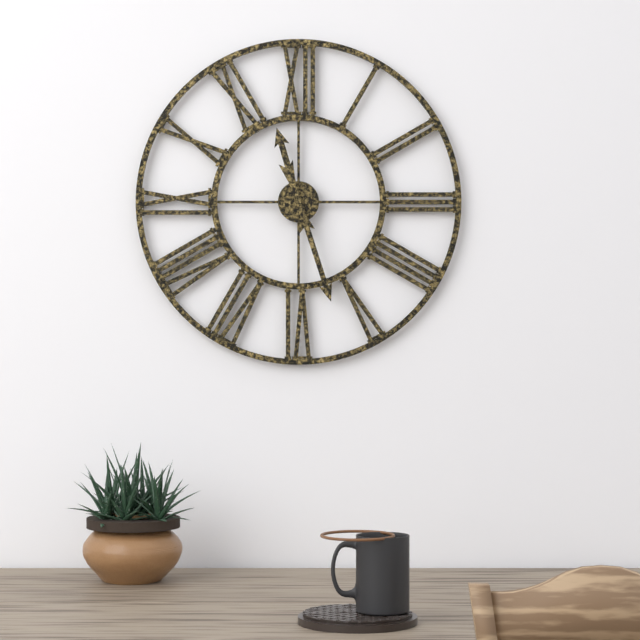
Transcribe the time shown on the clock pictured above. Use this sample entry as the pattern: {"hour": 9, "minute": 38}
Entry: {"hour": 11, "minute": 27}
